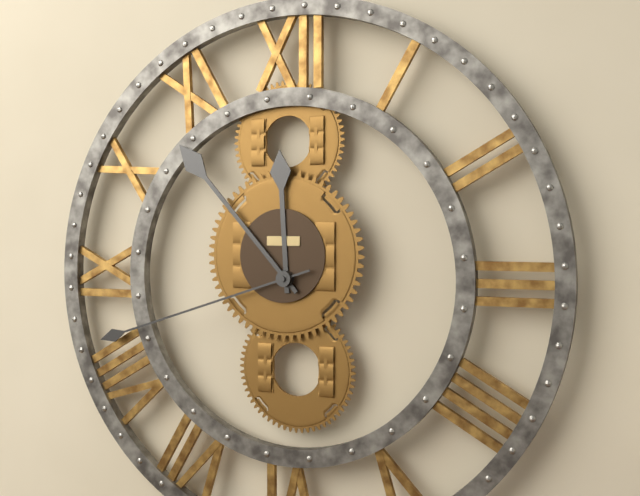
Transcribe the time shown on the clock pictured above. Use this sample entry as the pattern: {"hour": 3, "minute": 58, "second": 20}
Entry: {"hour": 11, "minute": 53, "second": 42}
